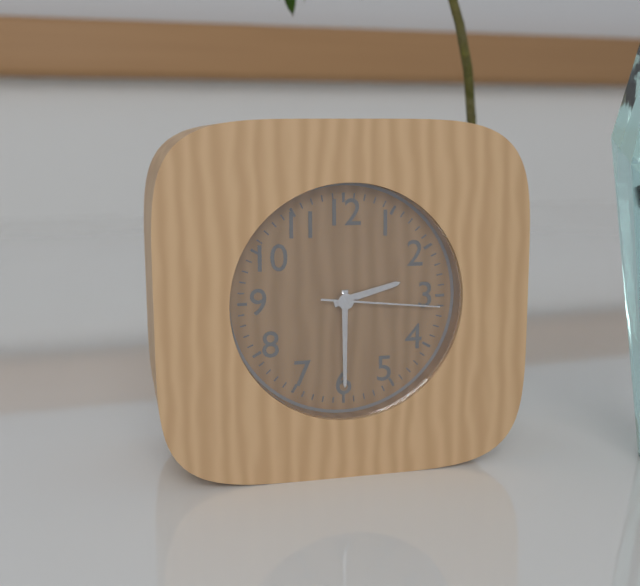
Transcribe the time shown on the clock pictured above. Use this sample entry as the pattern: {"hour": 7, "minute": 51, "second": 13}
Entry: {"hour": 2, "minute": 30, "second": 16}
